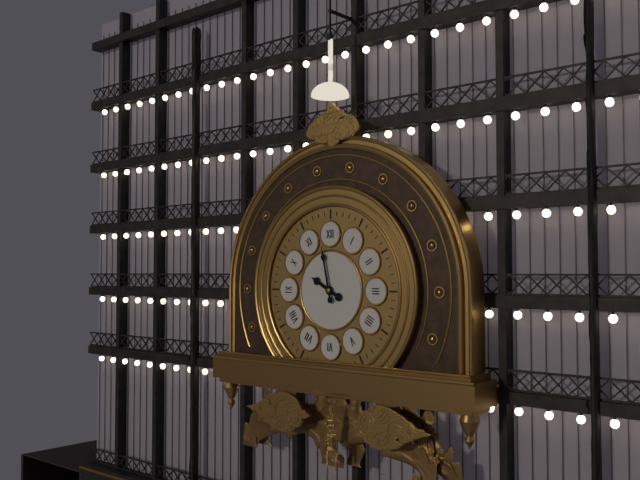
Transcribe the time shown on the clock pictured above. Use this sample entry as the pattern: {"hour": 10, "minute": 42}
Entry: {"hour": 9, "minute": 58}
